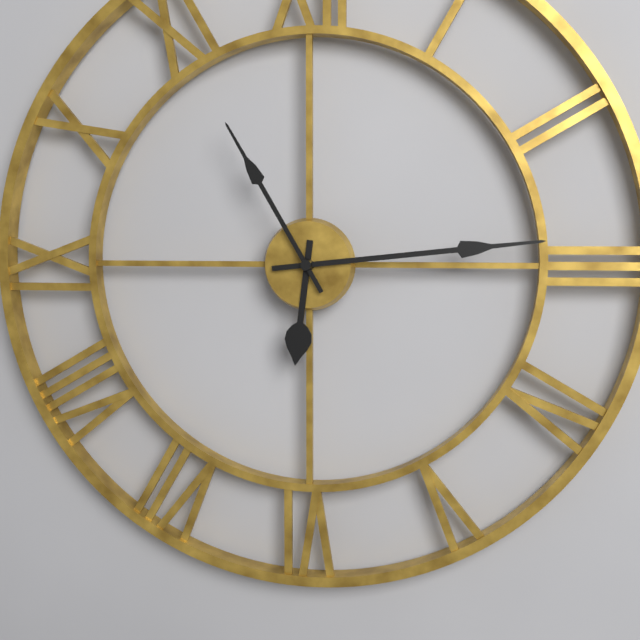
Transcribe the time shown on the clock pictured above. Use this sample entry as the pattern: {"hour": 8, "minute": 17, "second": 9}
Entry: {"hour": 6, "minute": 14, "second": 55}
